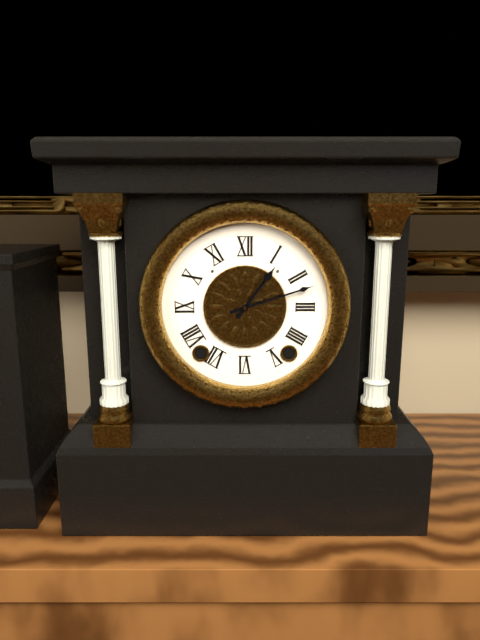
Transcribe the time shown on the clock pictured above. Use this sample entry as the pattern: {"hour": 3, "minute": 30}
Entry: {"hour": 1, "minute": 12}
